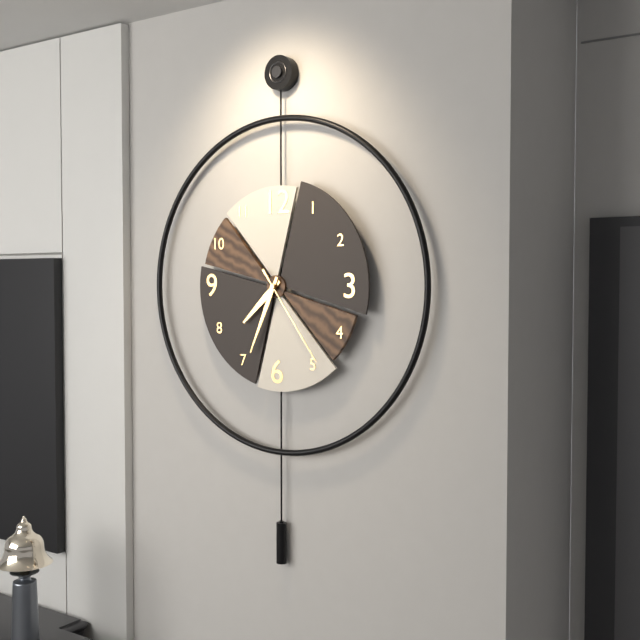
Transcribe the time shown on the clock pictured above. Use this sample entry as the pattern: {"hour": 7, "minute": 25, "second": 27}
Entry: {"hour": 7, "minute": 34, "second": 24}
